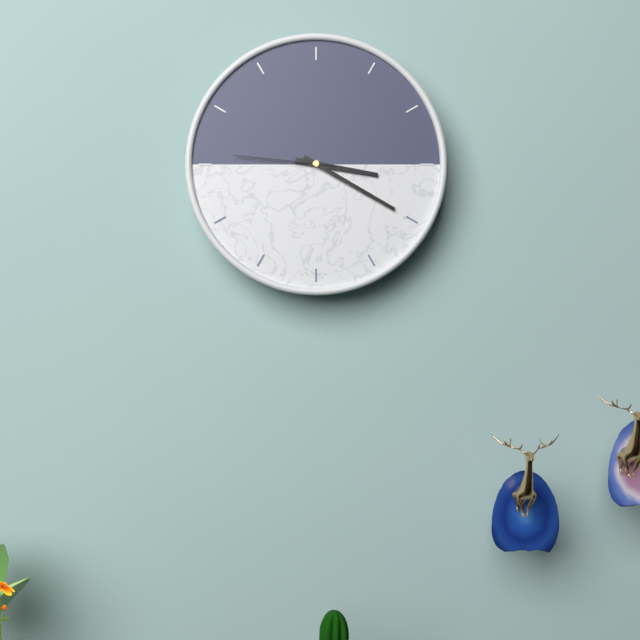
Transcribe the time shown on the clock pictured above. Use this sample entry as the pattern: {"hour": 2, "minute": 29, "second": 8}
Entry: {"hour": 3, "minute": 20, "second": 46}
